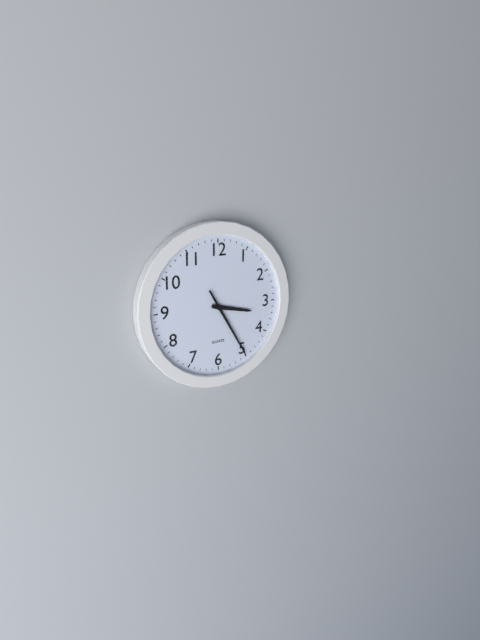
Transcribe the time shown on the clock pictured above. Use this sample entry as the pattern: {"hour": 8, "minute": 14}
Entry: {"hour": 3, "minute": 25}
